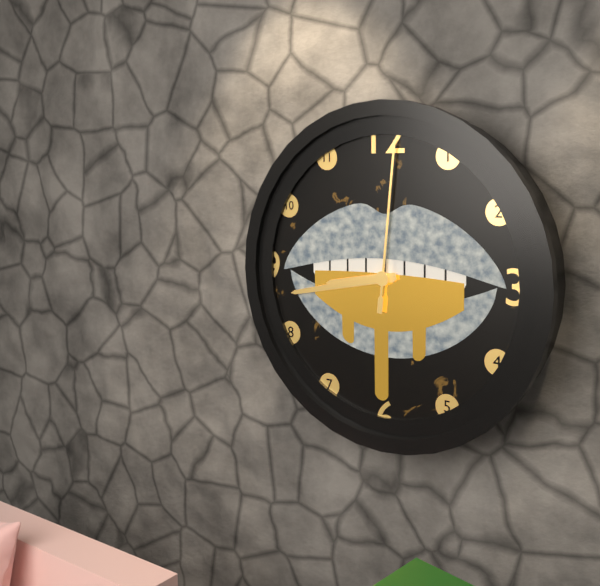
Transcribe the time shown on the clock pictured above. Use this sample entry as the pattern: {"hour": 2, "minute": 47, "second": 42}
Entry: {"hour": 8, "minute": 43, "second": 1}
